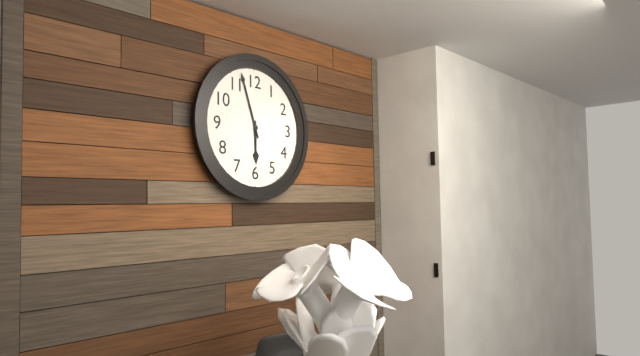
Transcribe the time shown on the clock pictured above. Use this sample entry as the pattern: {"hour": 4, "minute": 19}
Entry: {"hour": 5, "minute": 57}
